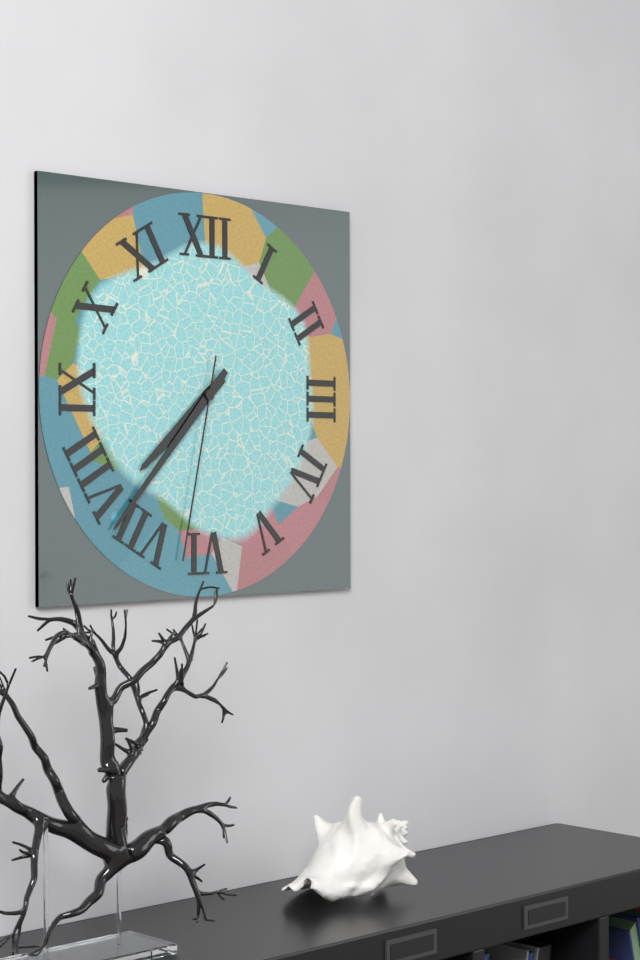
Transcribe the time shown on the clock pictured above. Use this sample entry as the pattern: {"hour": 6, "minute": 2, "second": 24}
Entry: {"hour": 7, "minute": 37, "second": 32}
